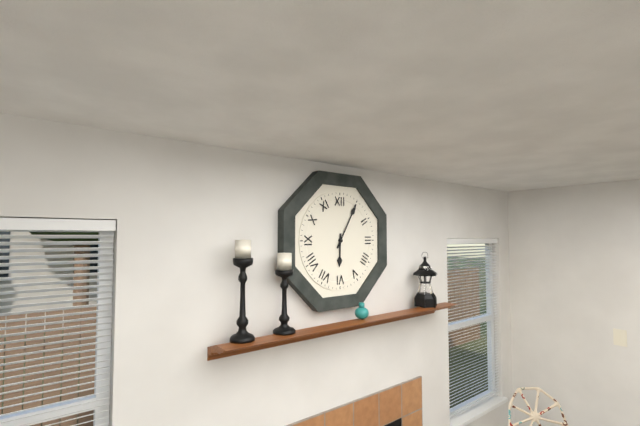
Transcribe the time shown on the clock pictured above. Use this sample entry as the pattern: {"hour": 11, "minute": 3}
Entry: {"hour": 6, "minute": 5}
